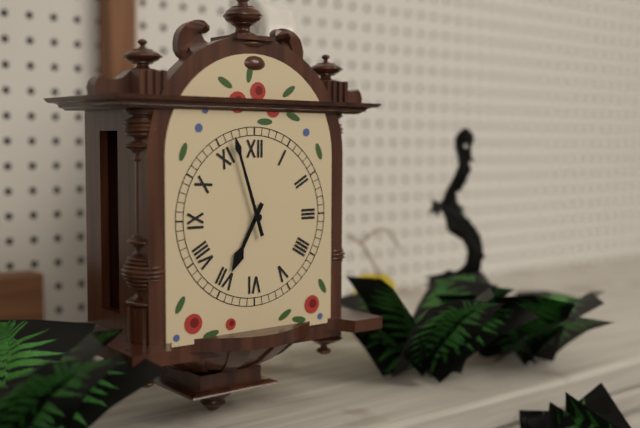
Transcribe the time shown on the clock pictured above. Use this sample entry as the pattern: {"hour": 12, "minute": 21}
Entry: {"hour": 6, "minute": 57}
